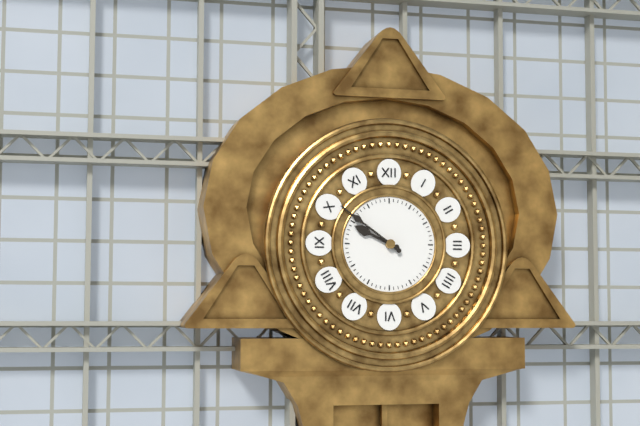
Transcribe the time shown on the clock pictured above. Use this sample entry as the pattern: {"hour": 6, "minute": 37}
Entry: {"hour": 9, "minute": 51}
